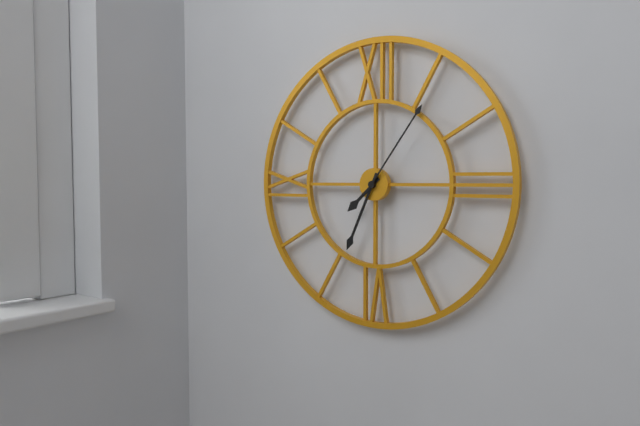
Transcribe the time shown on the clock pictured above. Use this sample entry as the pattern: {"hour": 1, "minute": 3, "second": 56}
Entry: {"hour": 7, "minute": 34, "second": 6}
